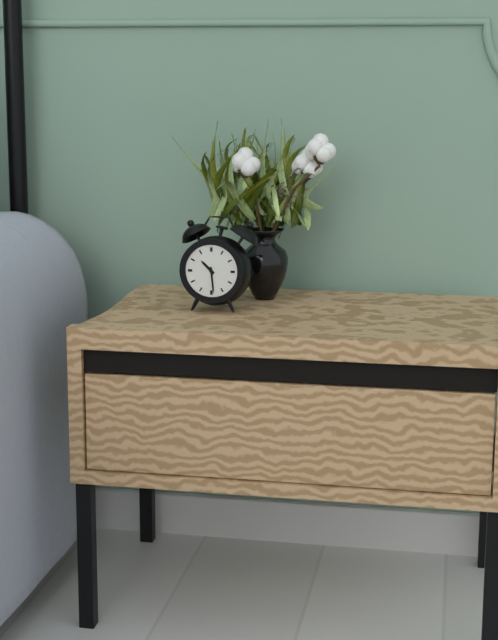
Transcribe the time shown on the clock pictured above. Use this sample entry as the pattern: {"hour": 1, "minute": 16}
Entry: {"hour": 10, "minute": 29}
